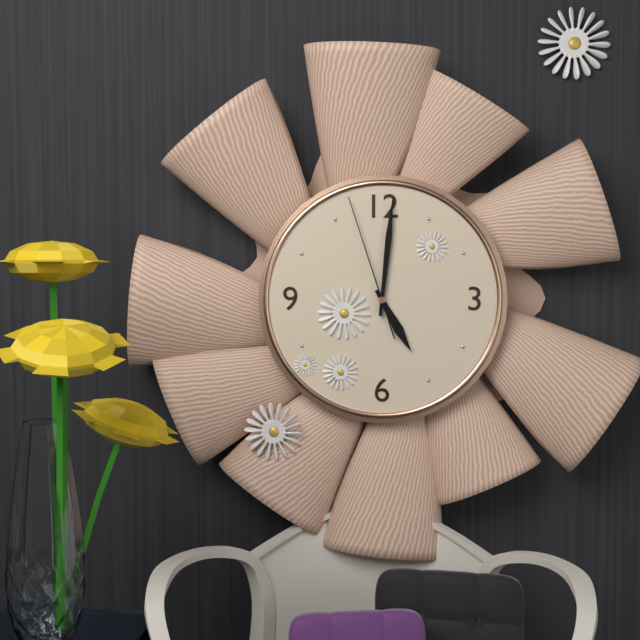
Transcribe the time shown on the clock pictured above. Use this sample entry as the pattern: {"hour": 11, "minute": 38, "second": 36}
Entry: {"hour": 5, "minute": 1, "second": 57}
